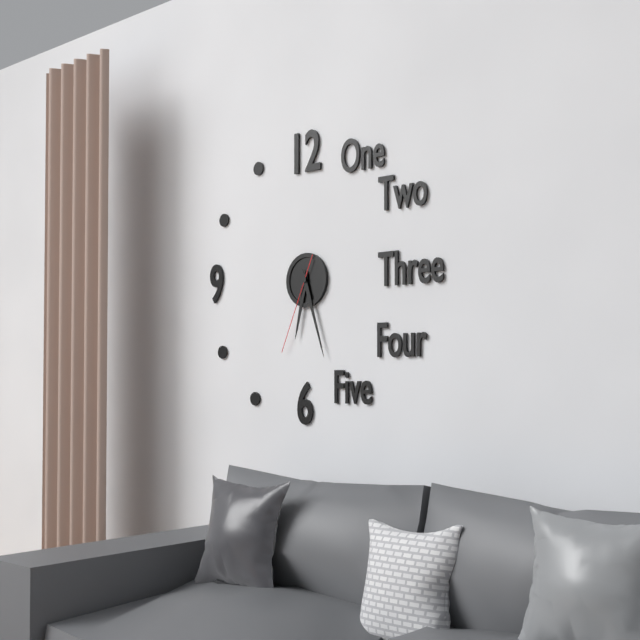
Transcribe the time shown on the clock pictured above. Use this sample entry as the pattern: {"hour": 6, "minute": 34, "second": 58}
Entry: {"hour": 6, "minute": 27, "second": 34}
